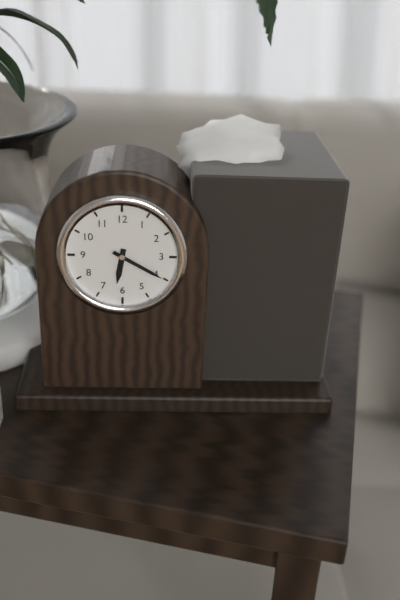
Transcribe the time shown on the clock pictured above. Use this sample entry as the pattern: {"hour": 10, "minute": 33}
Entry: {"hour": 6, "minute": 20}
